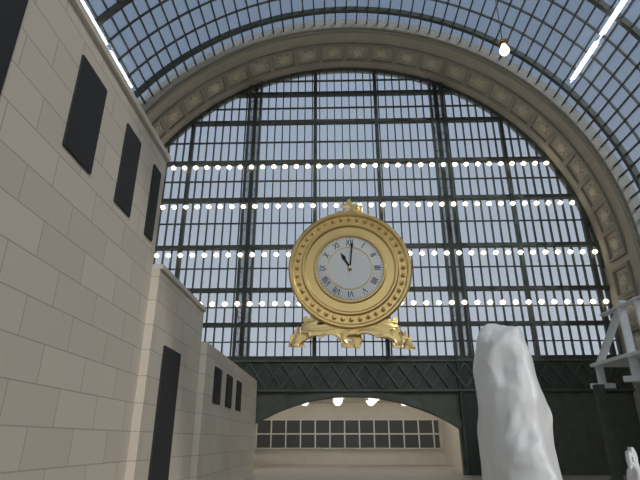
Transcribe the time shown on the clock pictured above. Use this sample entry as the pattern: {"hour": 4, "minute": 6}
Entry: {"hour": 11, "minute": 1}
